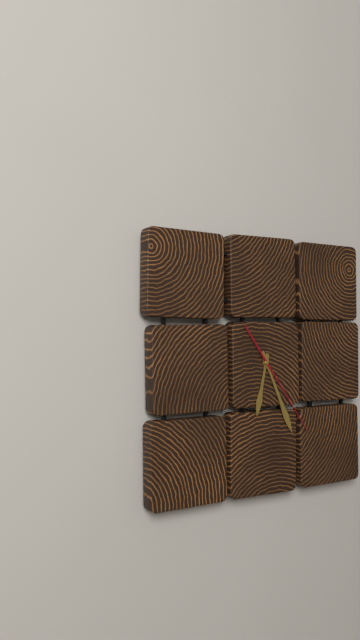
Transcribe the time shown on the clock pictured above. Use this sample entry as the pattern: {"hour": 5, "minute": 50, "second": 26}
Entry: {"hour": 6, "minute": 26, "second": 24}
